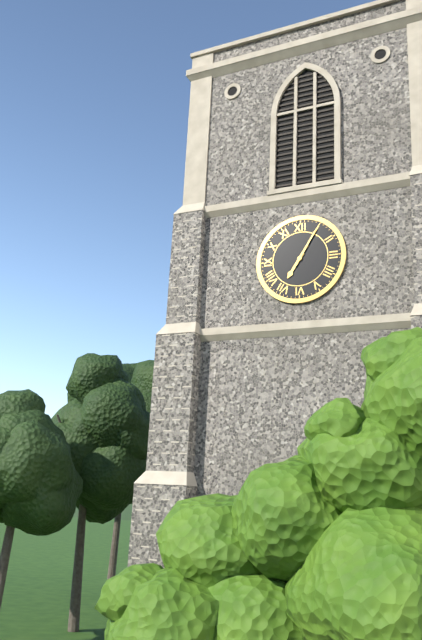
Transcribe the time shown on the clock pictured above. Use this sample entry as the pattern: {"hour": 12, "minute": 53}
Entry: {"hour": 7, "minute": 5}
